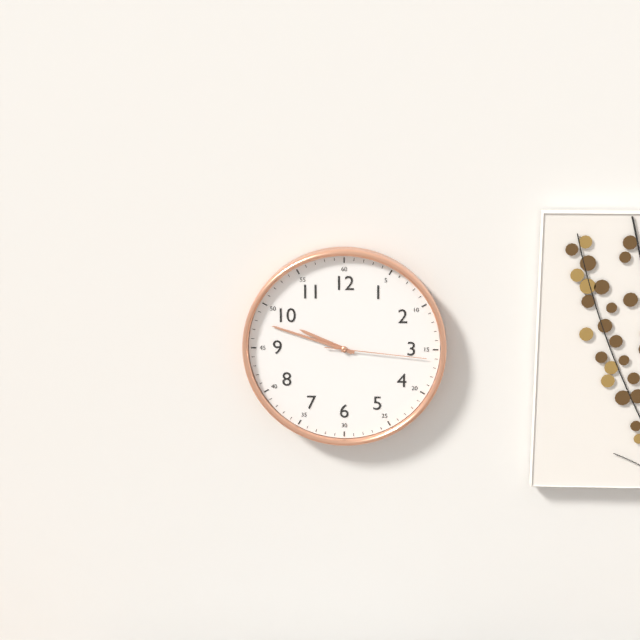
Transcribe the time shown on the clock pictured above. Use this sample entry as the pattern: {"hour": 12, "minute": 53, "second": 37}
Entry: {"hour": 9, "minute": 48, "second": 16}
